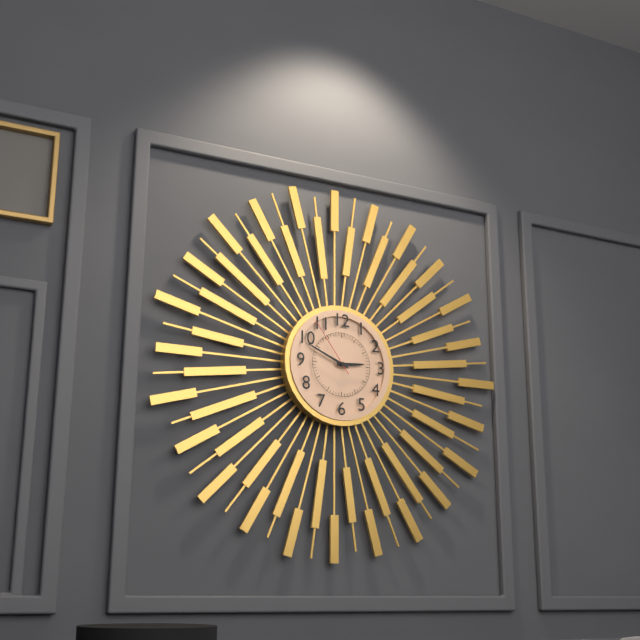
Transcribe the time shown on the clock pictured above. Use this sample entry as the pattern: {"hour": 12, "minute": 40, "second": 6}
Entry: {"hour": 2, "minute": 49, "second": 54}
